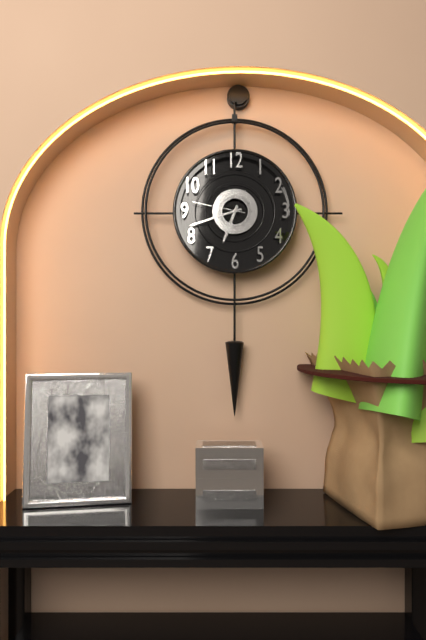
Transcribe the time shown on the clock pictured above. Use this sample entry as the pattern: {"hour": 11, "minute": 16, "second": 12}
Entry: {"hour": 6, "minute": 42, "second": 47}
